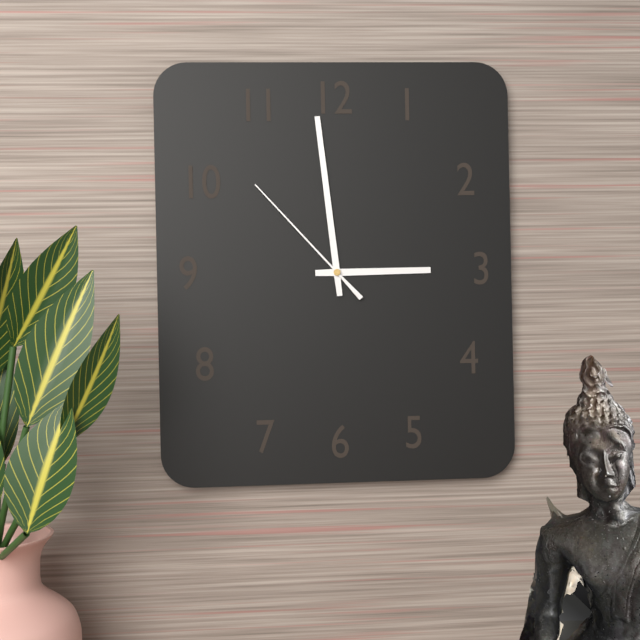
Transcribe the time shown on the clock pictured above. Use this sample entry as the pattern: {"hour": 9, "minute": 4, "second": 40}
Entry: {"hour": 2, "minute": 59, "second": 53}
